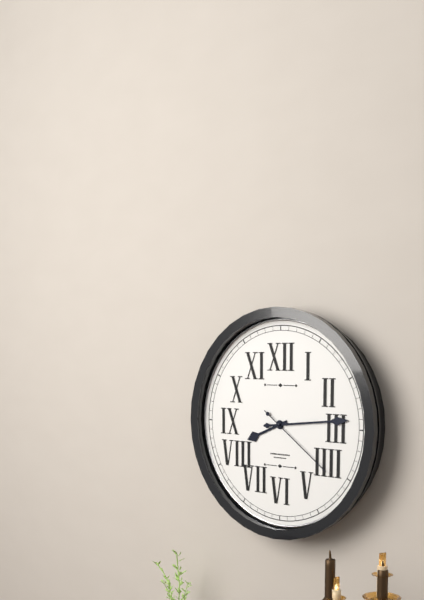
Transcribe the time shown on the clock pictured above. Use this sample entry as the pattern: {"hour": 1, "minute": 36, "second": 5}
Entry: {"hour": 8, "minute": 14, "second": 21}
